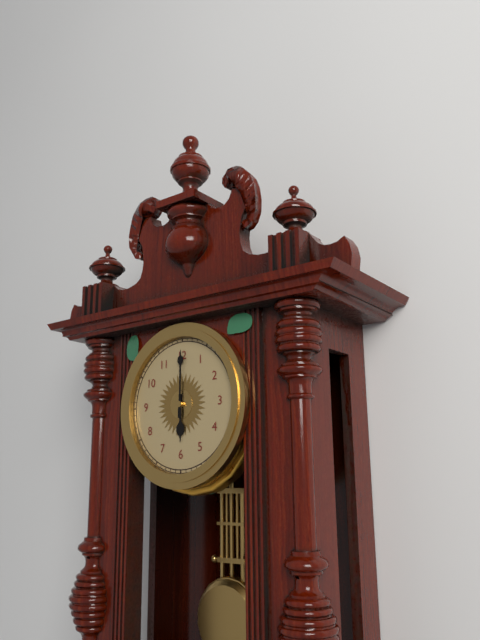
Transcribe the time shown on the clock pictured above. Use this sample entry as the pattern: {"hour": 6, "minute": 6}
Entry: {"hour": 6, "minute": 0}
